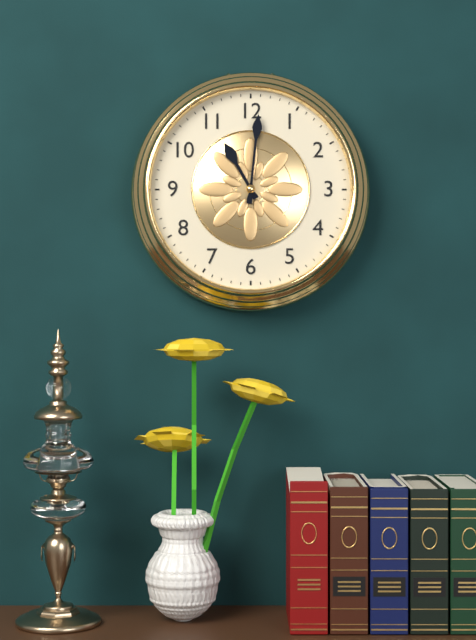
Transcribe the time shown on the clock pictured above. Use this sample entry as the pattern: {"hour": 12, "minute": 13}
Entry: {"hour": 11, "minute": 1}
